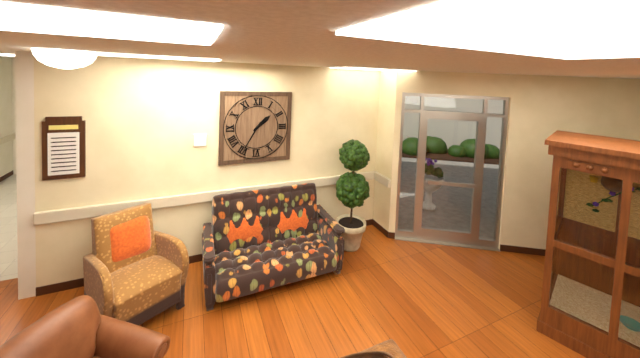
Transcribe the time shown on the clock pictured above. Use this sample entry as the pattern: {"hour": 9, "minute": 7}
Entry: {"hour": 1, "minute": 35}
